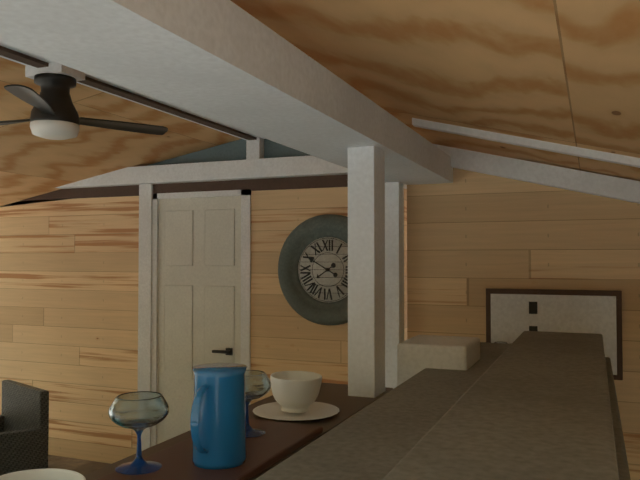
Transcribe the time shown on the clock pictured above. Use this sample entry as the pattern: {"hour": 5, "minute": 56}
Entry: {"hour": 7, "minute": 50}
